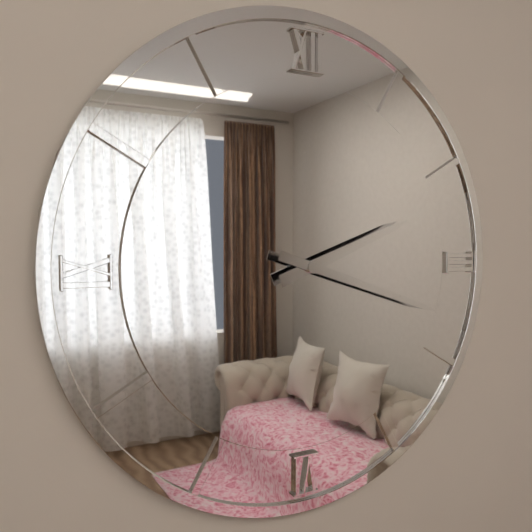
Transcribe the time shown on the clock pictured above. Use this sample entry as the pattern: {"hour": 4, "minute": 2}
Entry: {"hour": 2, "minute": 18}
